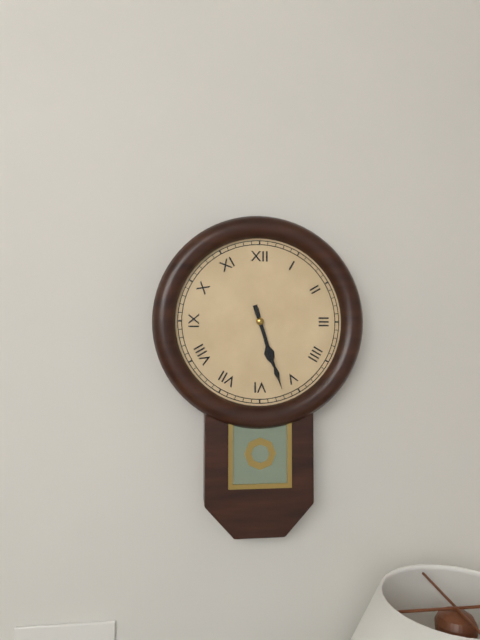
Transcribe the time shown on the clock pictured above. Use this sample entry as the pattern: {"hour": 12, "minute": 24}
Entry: {"hour": 5, "minute": 27}
